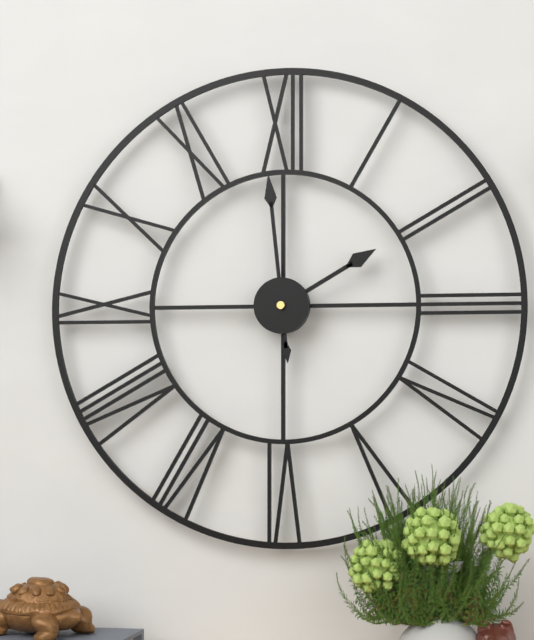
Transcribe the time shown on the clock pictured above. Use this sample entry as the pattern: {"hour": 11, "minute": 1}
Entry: {"hour": 1, "minute": 59}
